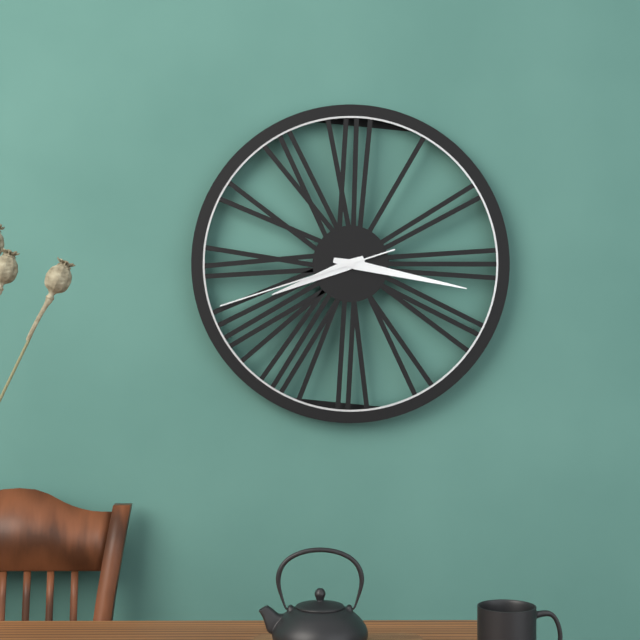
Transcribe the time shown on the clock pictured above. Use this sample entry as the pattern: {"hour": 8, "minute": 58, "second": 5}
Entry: {"hour": 8, "minute": 17, "second": 42}
